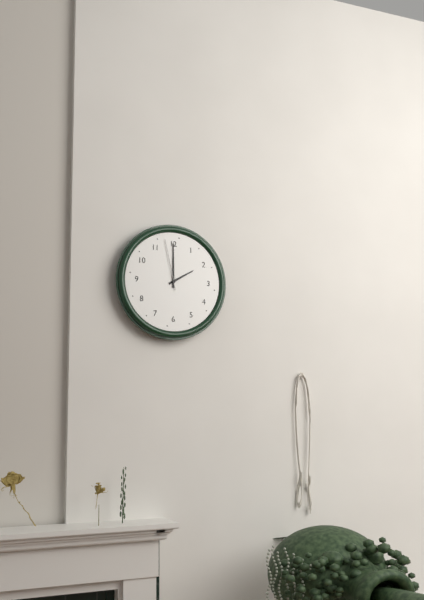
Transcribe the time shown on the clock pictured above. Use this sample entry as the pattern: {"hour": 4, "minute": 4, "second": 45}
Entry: {"hour": 2, "minute": 0, "second": 58}
